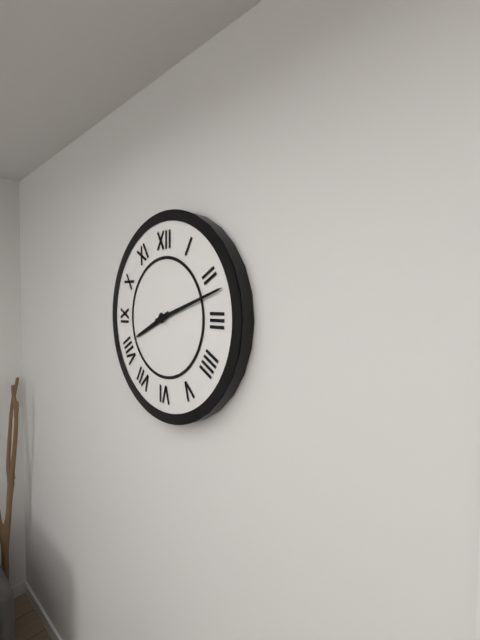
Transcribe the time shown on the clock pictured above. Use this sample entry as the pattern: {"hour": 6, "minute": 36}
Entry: {"hour": 8, "minute": 12}
